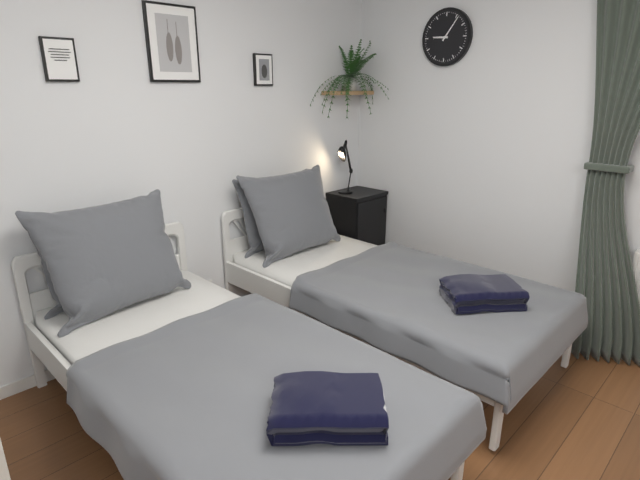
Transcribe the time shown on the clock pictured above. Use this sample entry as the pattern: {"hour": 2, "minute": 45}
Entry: {"hour": 9, "minute": 6}
